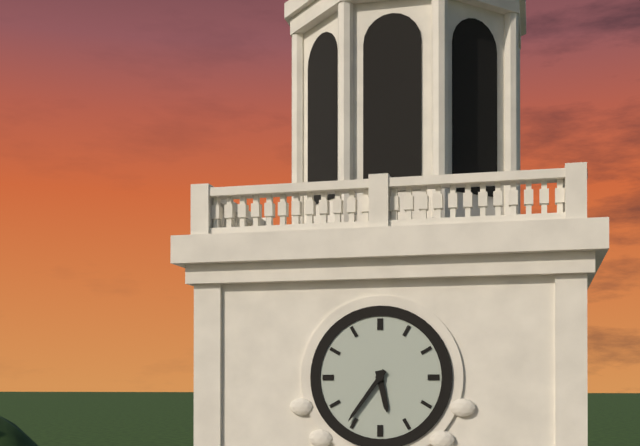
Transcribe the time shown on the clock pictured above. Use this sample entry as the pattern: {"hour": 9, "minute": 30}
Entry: {"hour": 5, "minute": 36}
